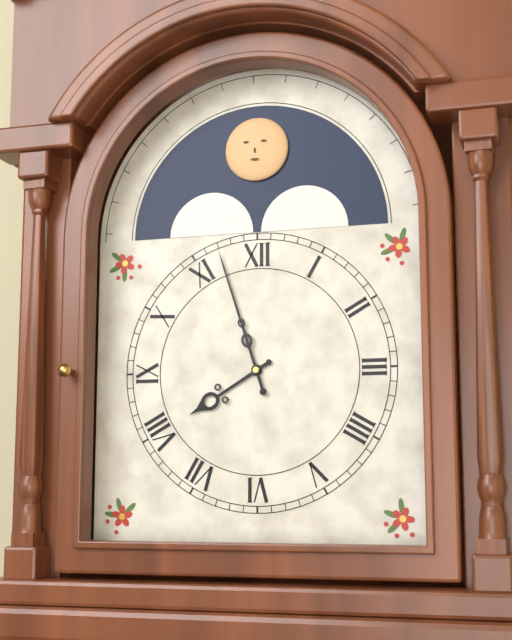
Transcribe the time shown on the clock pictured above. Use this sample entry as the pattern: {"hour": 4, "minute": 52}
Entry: {"hour": 7, "minute": 57}
